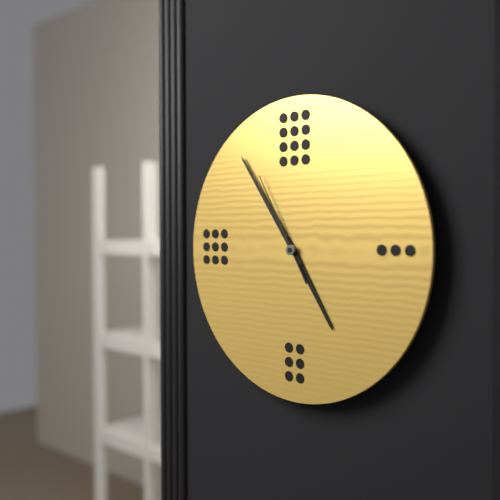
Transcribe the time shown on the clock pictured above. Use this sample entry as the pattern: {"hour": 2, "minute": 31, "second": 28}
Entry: {"hour": 4, "minute": 54, "second": 55}
